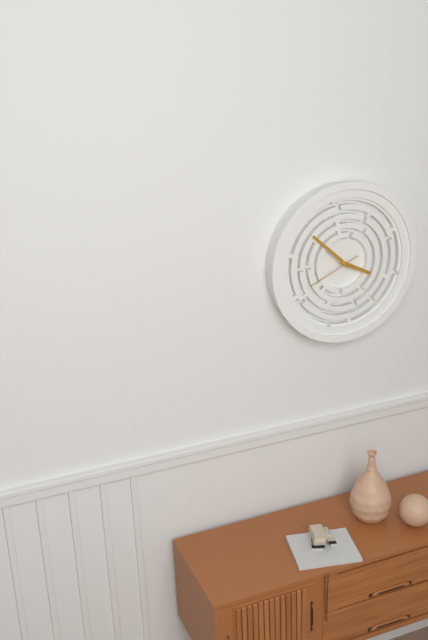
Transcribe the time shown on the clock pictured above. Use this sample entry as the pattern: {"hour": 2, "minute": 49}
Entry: {"hour": 3, "minute": 52}
